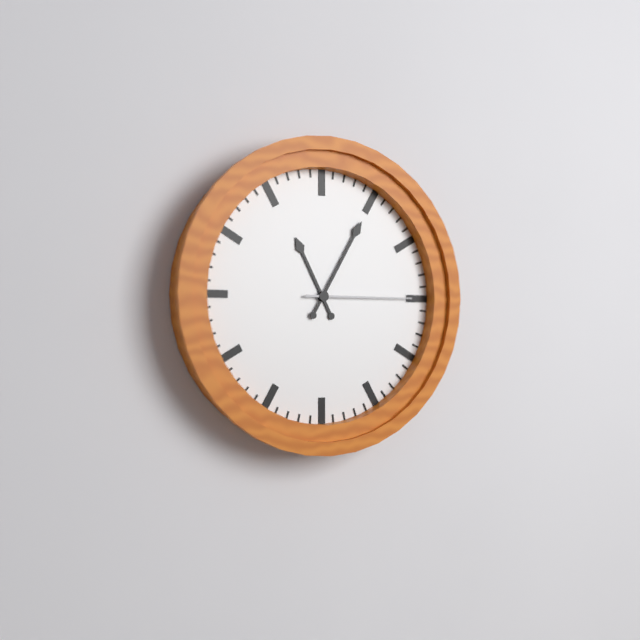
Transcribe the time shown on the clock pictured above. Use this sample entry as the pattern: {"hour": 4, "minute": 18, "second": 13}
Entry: {"hour": 11, "minute": 5, "second": 15}
